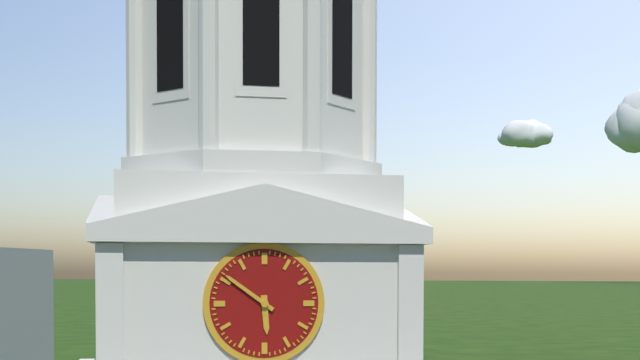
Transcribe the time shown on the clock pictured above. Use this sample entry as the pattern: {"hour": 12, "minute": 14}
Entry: {"hour": 5, "minute": 51}
